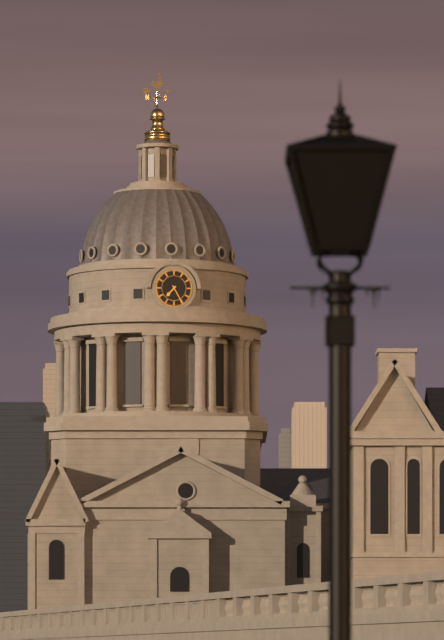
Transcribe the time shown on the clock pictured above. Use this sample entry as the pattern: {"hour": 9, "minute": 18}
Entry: {"hour": 7, "minute": 25}
